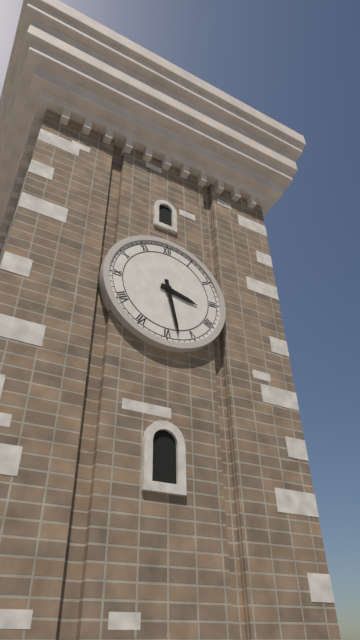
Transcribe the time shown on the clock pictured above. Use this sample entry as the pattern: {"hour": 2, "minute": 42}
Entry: {"hour": 3, "minute": 28}
